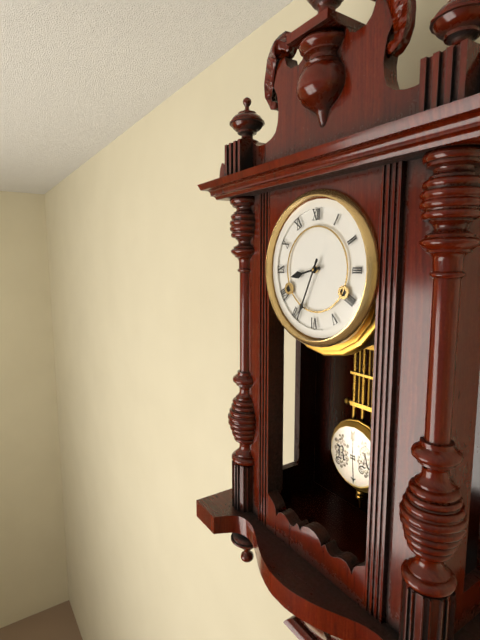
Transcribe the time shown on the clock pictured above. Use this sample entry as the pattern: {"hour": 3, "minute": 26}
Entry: {"hour": 8, "minute": 34}
